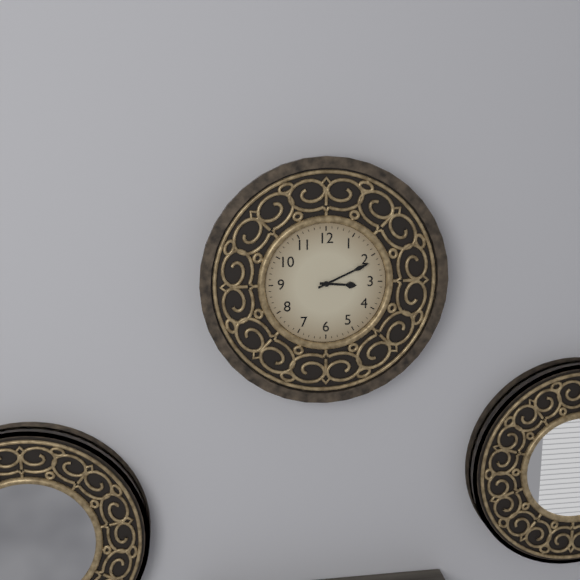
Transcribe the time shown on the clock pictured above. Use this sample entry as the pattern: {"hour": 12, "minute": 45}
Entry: {"hour": 3, "minute": 11}
